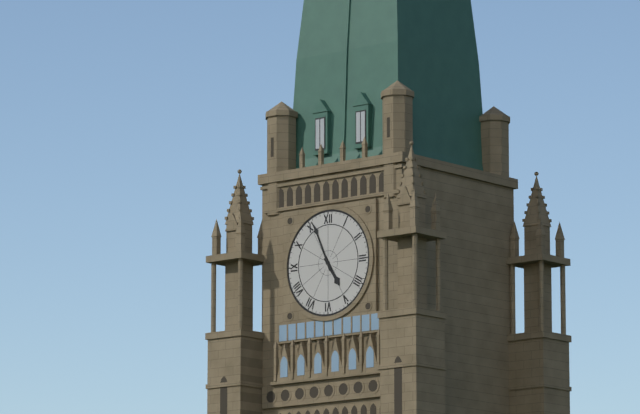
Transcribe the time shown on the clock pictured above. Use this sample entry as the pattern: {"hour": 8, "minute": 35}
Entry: {"hour": 4, "minute": 56}
